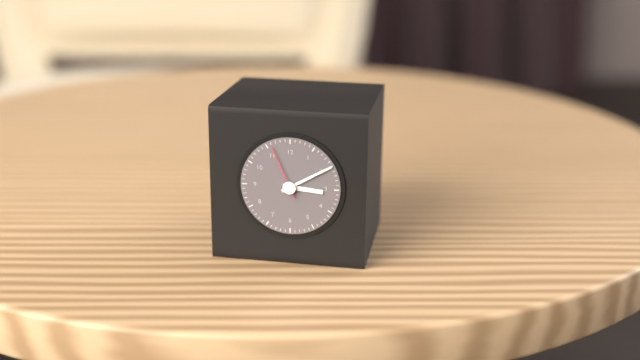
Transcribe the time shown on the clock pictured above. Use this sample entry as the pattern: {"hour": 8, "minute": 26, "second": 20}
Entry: {"hour": 3, "minute": 10, "second": 56}
